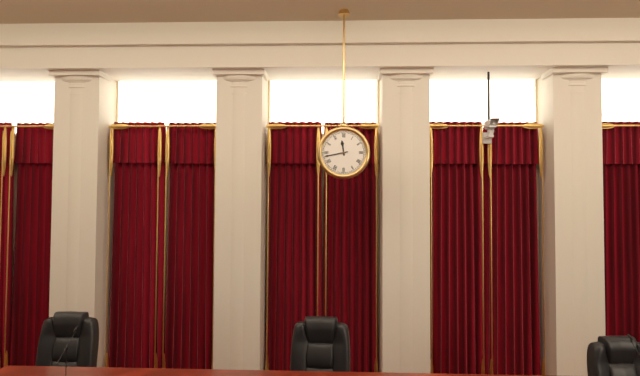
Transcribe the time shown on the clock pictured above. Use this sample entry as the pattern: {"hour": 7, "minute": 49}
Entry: {"hour": 11, "minute": 43}
